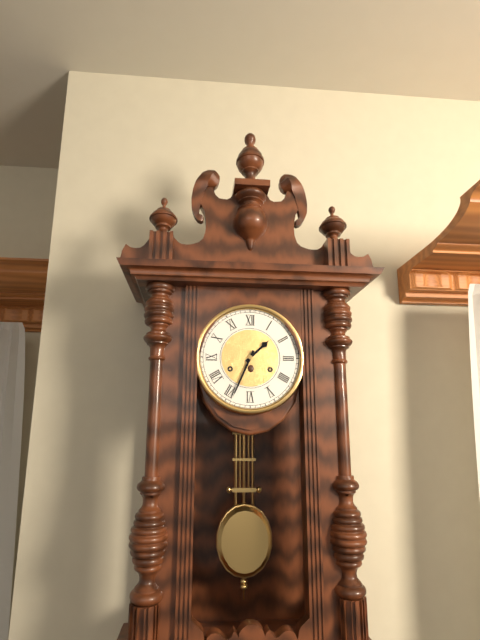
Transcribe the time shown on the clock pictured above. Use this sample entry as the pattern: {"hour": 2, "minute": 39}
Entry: {"hour": 1, "minute": 34}
